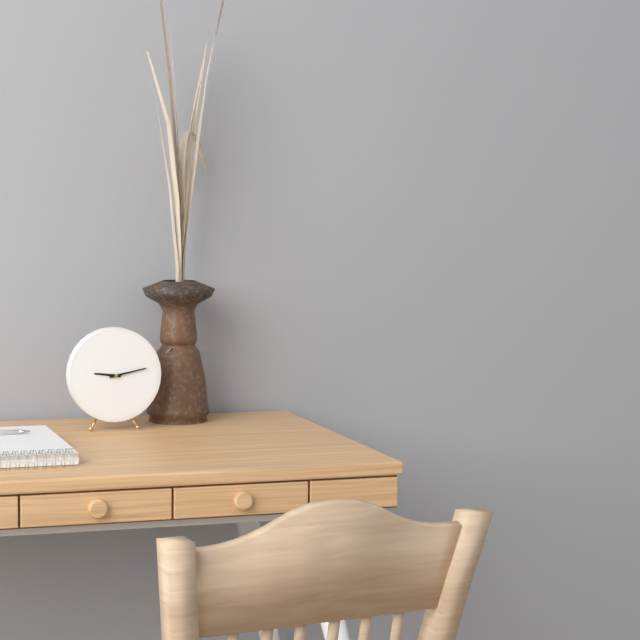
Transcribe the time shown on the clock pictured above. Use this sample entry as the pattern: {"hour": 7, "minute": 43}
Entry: {"hour": 9, "minute": 13}
